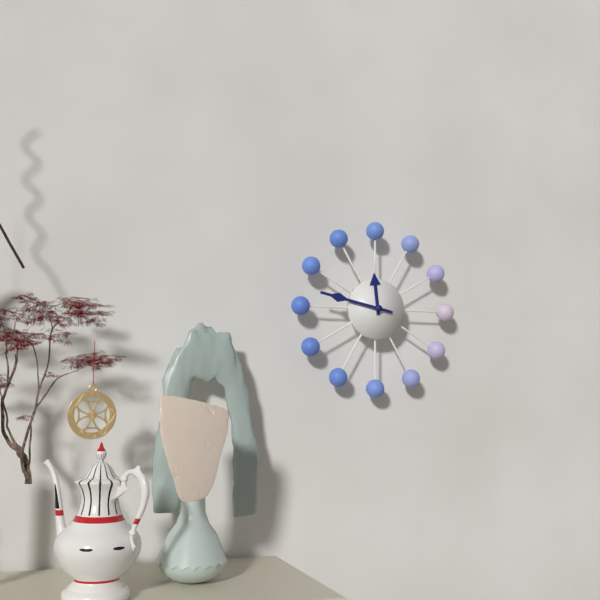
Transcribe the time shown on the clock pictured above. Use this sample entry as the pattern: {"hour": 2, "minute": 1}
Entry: {"hour": 11, "minute": 47}
